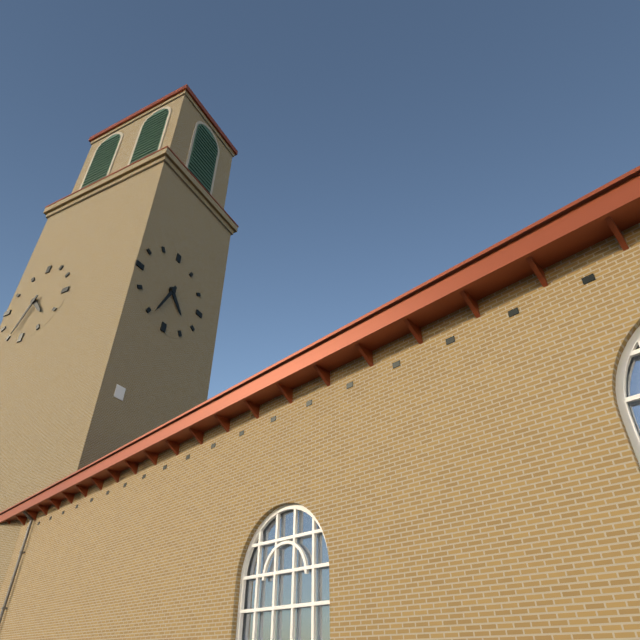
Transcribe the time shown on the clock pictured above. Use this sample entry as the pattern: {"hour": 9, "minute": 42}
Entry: {"hour": 4, "minute": 34}
